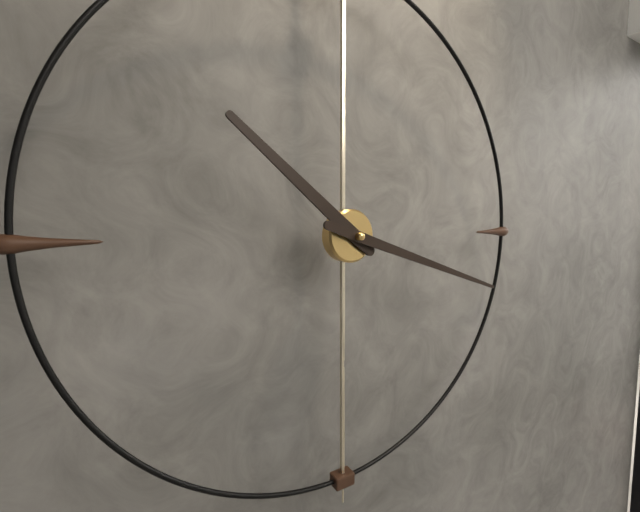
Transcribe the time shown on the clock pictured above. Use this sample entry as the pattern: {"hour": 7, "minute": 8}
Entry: {"hour": 10, "minute": 18}
